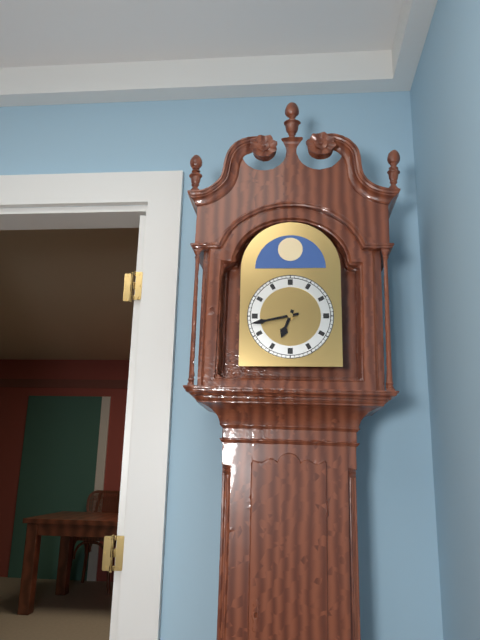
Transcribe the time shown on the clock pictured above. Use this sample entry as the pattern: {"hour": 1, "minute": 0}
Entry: {"hour": 6, "minute": 43}
